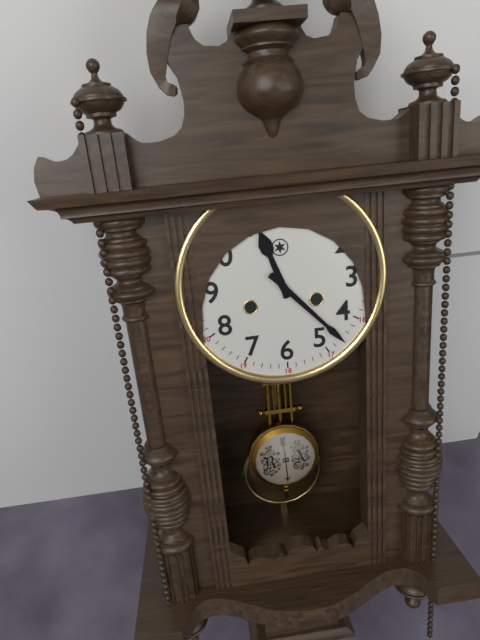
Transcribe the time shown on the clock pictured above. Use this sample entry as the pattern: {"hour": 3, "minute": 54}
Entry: {"hour": 11, "minute": 23}
